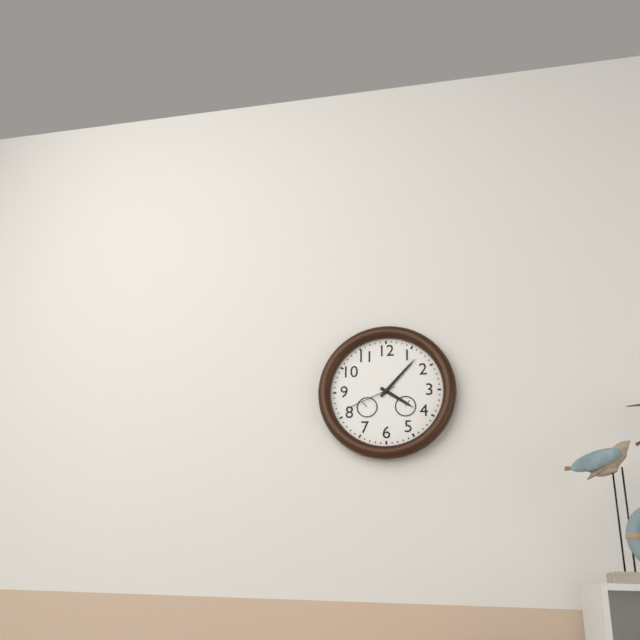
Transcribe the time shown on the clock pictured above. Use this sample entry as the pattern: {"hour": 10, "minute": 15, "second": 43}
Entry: {"hour": 4, "minute": 7, "second": 41}
